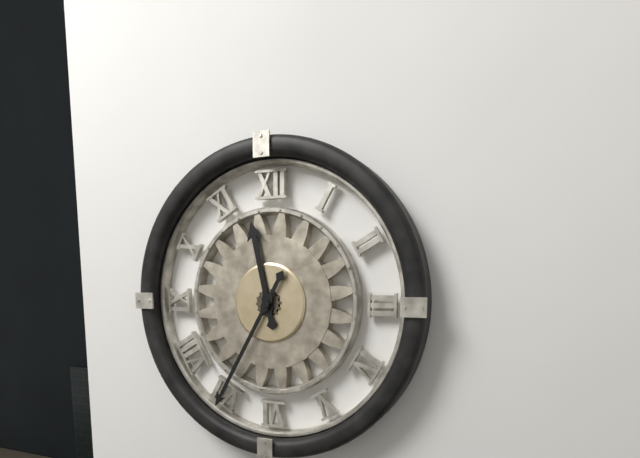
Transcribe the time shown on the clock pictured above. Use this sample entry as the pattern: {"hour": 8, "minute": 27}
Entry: {"hour": 11, "minute": 35}
